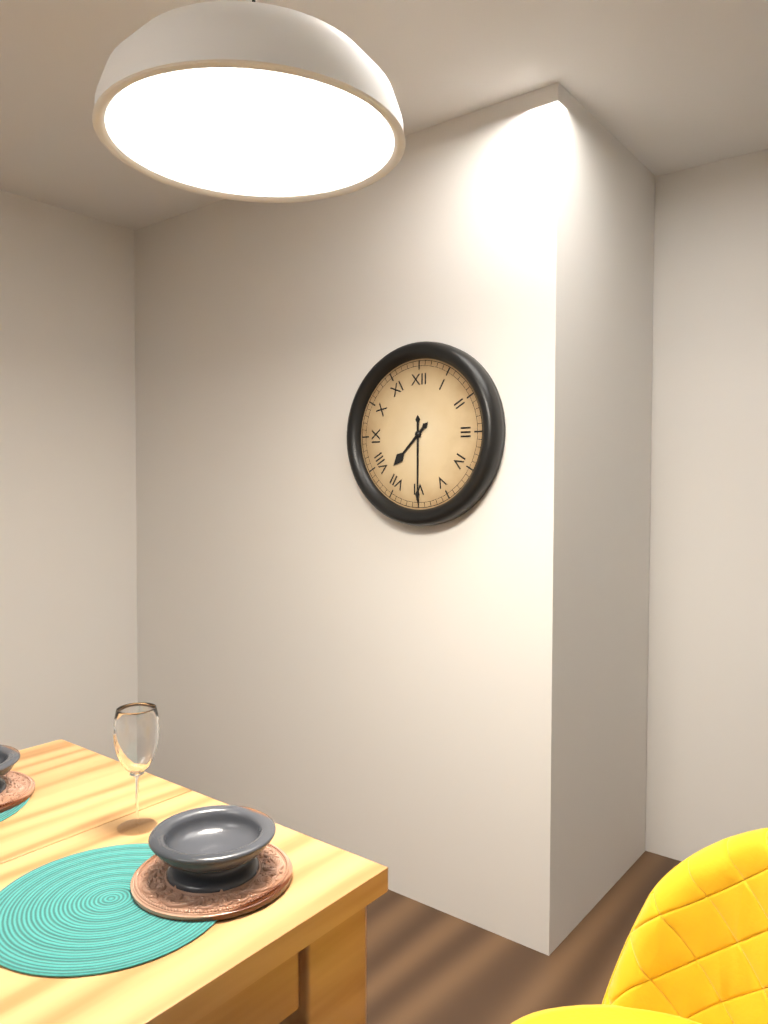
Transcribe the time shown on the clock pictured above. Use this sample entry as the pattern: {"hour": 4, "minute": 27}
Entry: {"hour": 7, "minute": 30}
